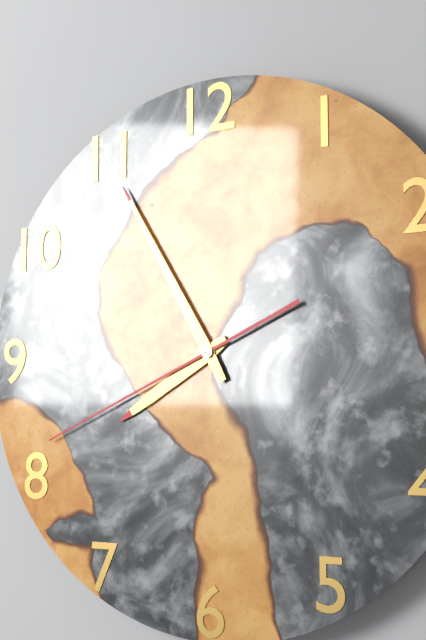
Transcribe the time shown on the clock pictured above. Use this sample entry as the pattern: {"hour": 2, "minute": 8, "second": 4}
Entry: {"hour": 7, "minute": 55, "second": 41}
